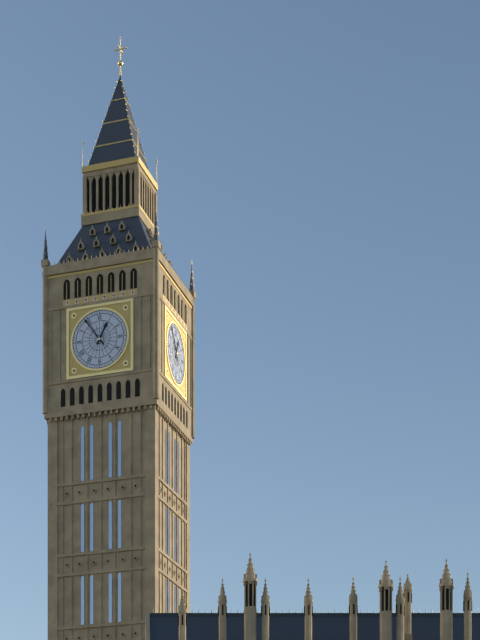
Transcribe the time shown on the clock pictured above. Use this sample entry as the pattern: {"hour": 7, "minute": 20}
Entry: {"hour": 12, "minute": 54}
